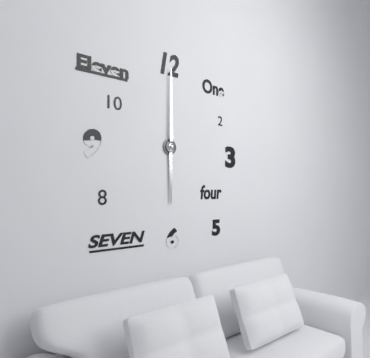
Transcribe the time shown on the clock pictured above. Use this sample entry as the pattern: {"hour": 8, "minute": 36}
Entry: {"hour": 6, "minute": 0}
